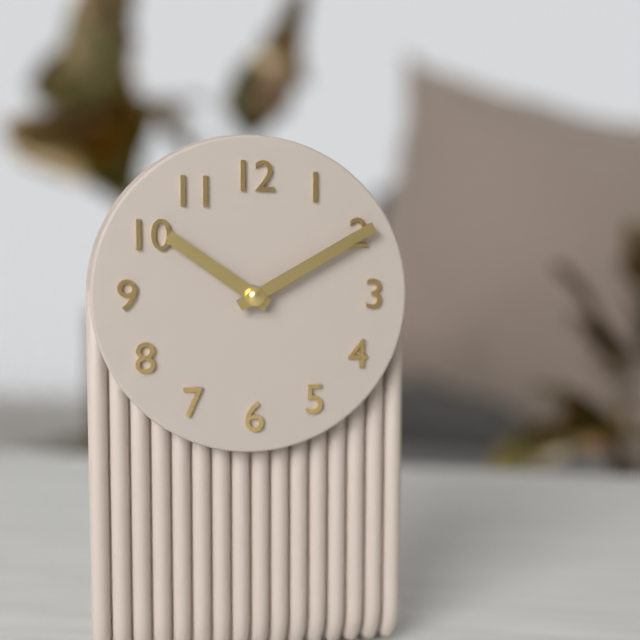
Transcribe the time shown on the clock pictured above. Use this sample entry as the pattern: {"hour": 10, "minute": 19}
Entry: {"hour": 10, "minute": 10}
